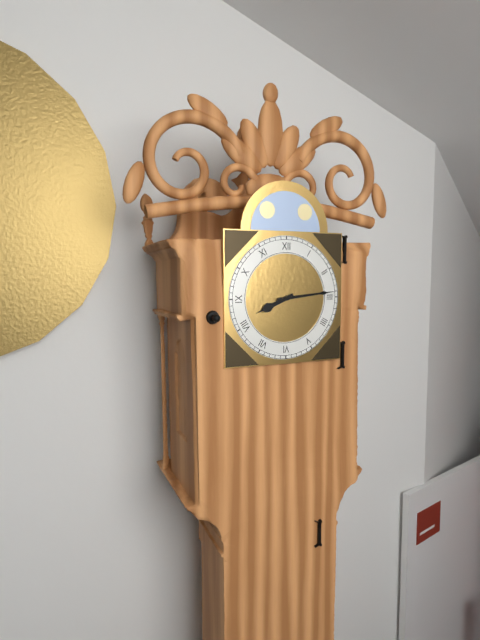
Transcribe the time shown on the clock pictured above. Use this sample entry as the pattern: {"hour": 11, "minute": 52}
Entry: {"hour": 8, "minute": 14}
